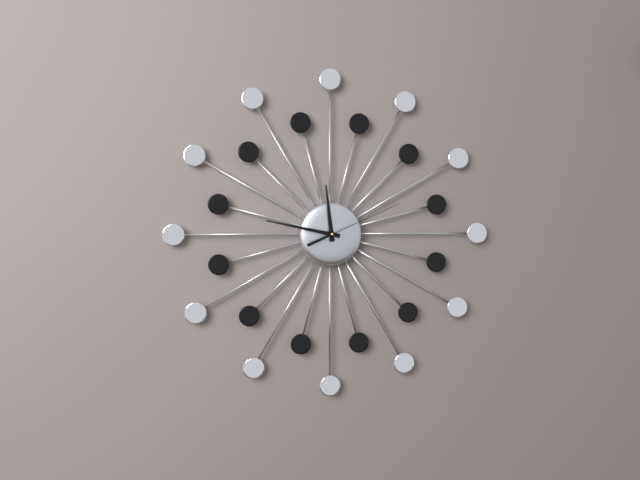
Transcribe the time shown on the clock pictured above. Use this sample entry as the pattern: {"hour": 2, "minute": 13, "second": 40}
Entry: {"hour": 11, "minute": 47, "second": 11}
